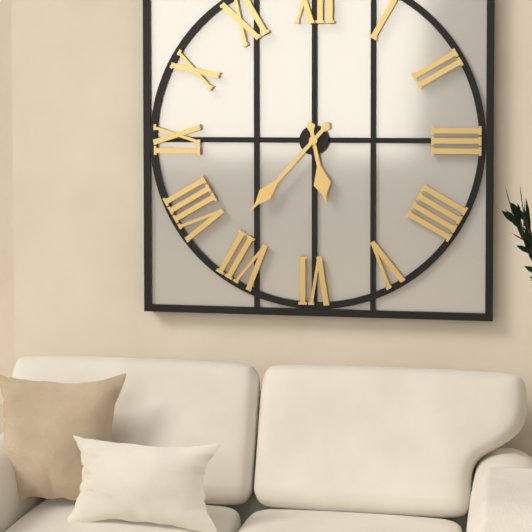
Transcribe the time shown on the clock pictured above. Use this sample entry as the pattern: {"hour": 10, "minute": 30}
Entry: {"hour": 5, "minute": 37}
